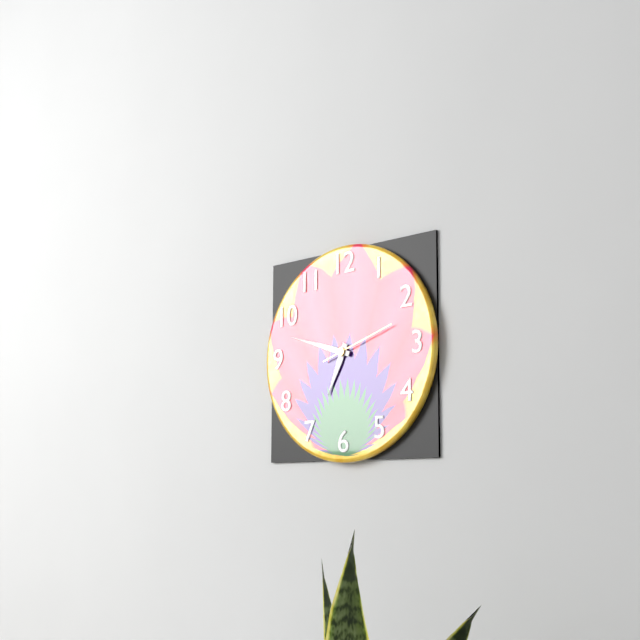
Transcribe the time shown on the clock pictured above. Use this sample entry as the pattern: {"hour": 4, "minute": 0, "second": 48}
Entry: {"hour": 6, "minute": 48, "second": 12}
